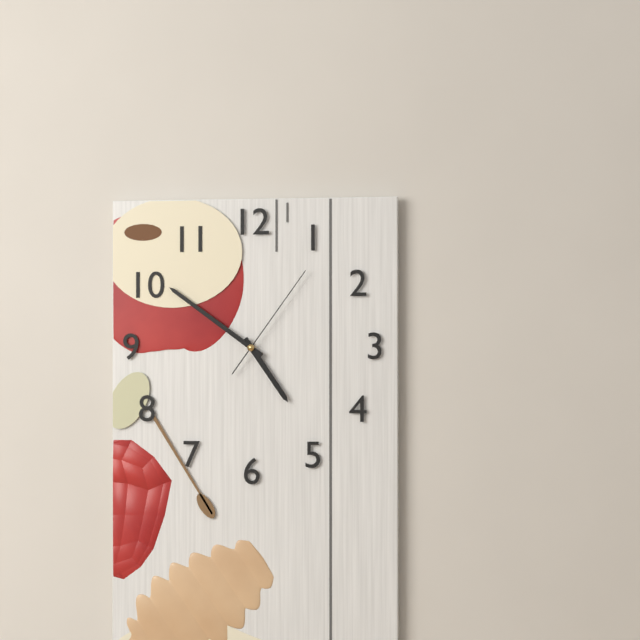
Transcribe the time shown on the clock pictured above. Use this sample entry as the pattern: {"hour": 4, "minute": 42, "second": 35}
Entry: {"hour": 4, "minute": 51, "second": 6}
